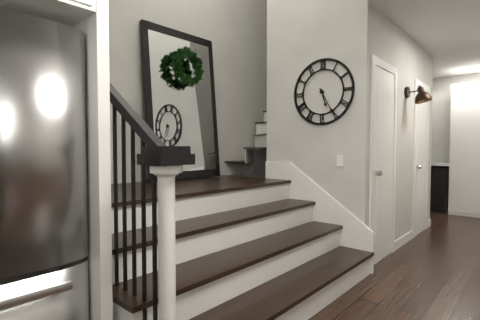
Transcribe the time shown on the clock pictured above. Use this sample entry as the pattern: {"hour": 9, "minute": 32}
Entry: {"hour": 5, "minute": 25}
